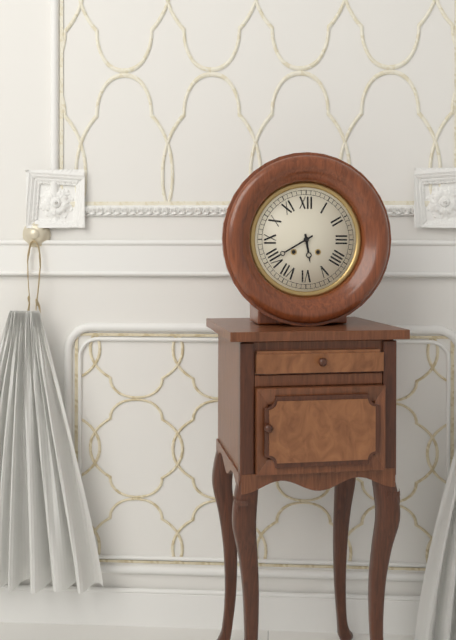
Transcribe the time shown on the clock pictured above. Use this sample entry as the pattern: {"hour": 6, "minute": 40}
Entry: {"hour": 5, "minute": 40}
